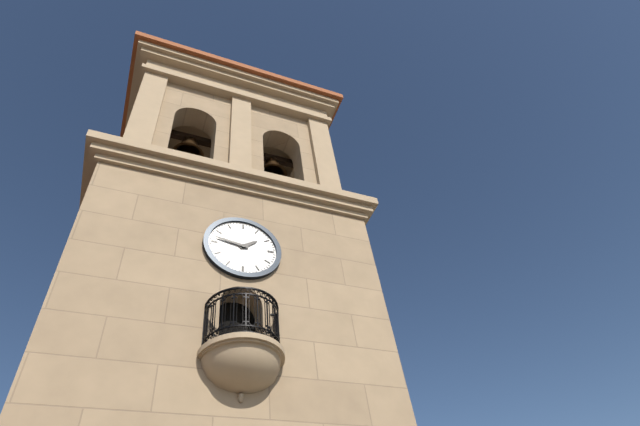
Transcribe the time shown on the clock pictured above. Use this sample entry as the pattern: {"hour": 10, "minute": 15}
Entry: {"hour": 1, "minute": 47}
